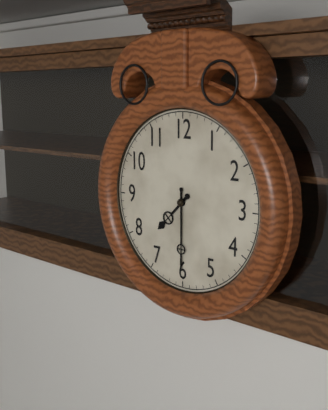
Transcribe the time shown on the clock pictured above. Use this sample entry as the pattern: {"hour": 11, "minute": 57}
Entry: {"hour": 7, "minute": 30}
